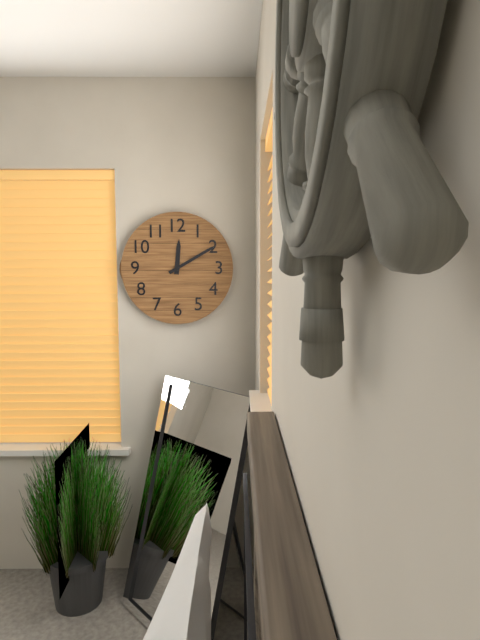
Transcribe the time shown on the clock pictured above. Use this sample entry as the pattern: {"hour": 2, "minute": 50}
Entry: {"hour": 12, "minute": 10}
